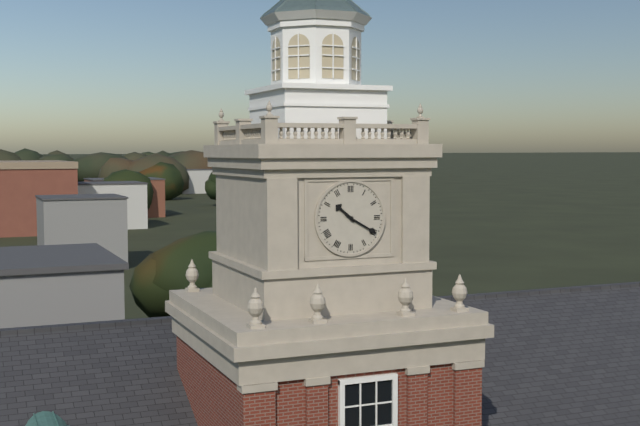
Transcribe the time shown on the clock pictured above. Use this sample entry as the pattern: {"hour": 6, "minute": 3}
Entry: {"hour": 10, "minute": 20}
